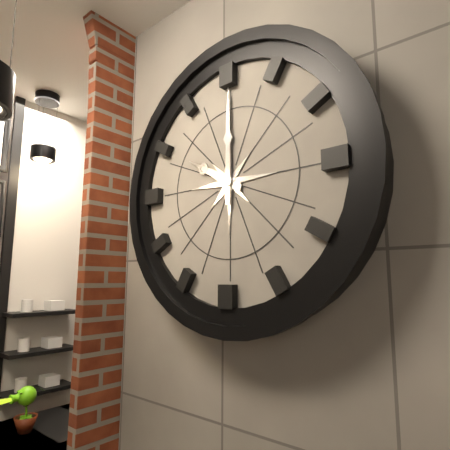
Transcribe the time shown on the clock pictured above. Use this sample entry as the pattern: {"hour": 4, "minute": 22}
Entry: {"hour": 10, "minute": 0}
